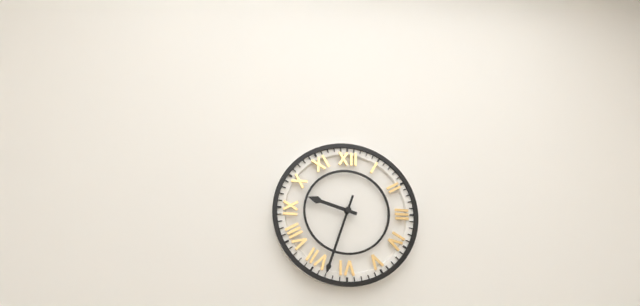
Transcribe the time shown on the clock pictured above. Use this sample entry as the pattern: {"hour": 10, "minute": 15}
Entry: {"hour": 9, "minute": 33}
